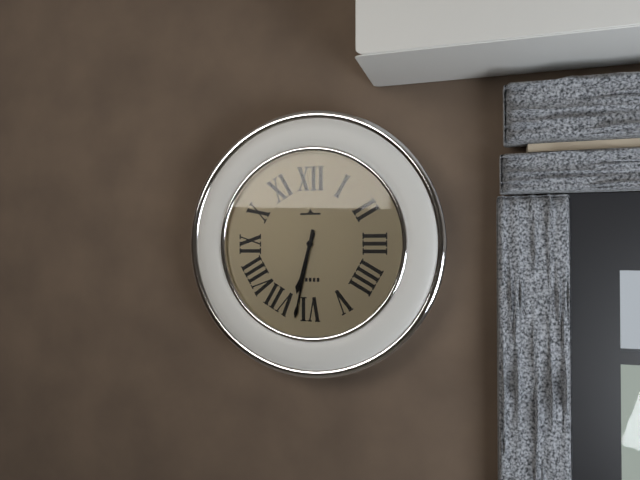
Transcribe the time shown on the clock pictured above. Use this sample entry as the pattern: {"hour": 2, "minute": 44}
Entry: {"hour": 6, "minute": 32}
